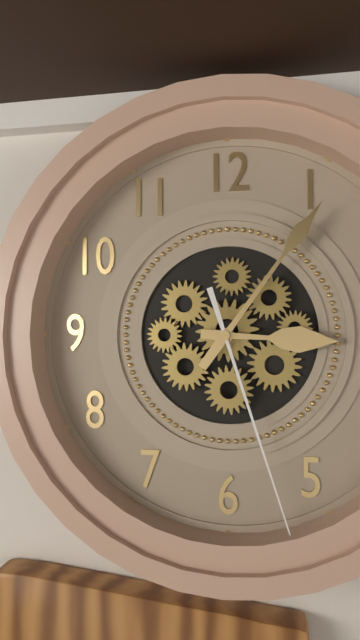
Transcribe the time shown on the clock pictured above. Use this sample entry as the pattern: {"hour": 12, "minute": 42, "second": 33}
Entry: {"hour": 3, "minute": 6, "second": 27}
